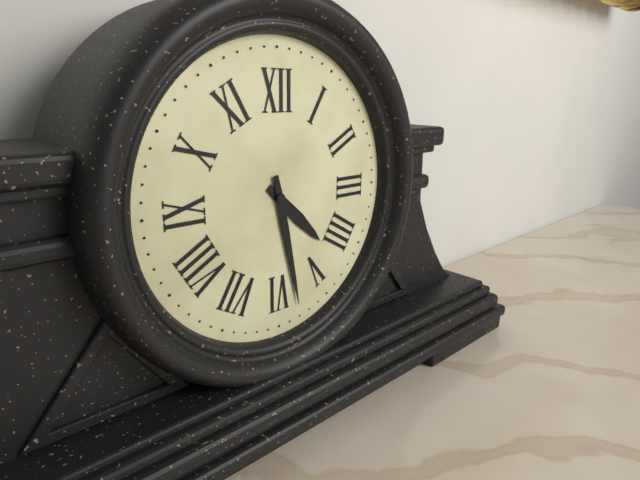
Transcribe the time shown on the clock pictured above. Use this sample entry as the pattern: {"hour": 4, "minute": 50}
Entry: {"hour": 4, "minute": 28}
